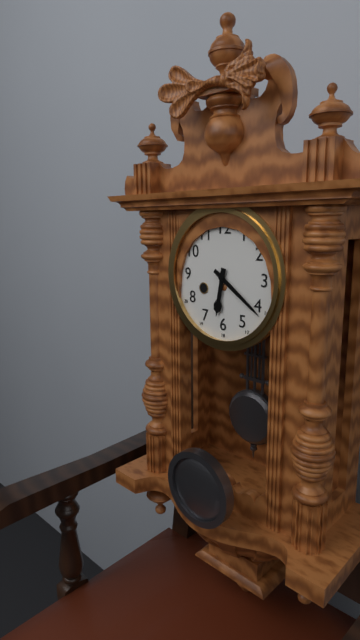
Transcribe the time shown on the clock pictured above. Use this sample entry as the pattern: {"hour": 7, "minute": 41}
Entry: {"hour": 6, "minute": 21}
